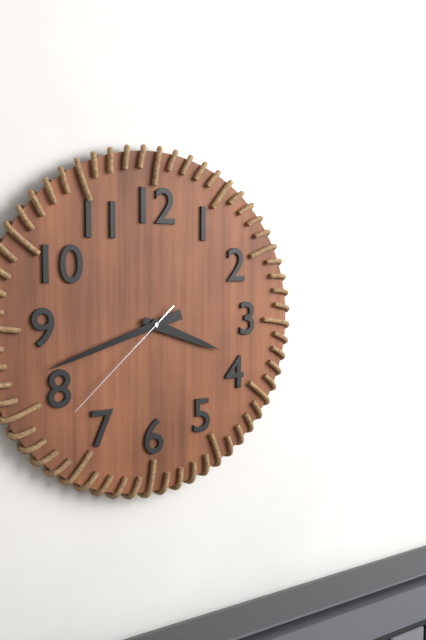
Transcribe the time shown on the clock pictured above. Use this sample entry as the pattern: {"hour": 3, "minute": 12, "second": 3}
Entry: {"hour": 3, "minute": 42, "second": 38}
